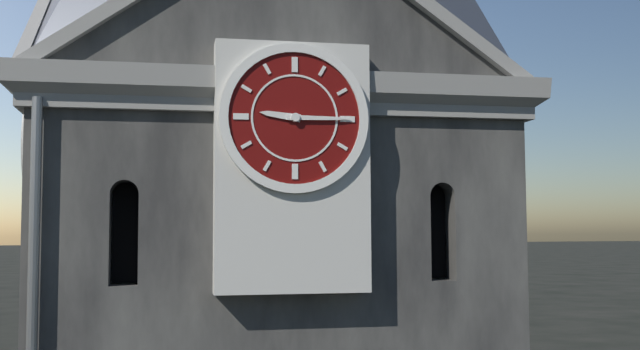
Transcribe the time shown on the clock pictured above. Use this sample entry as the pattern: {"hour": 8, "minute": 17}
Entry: {"hour": 9, "minute": 15}
